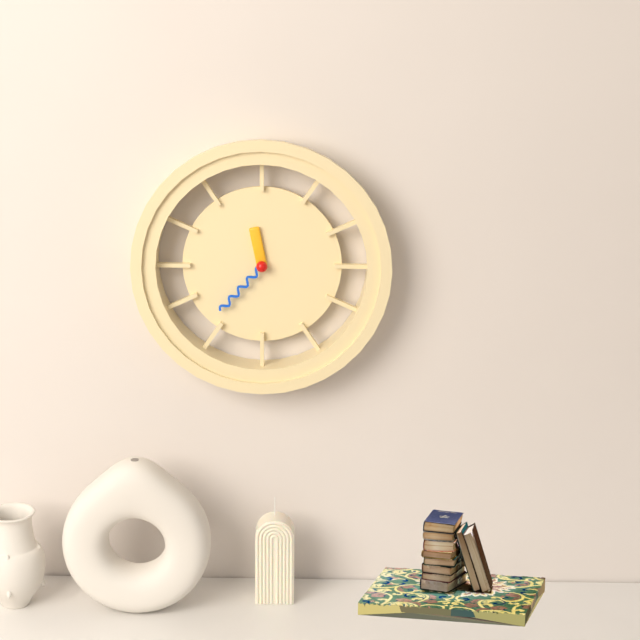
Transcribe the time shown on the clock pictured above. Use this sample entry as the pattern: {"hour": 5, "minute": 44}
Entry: {"hour": 11, "minute": 37}
